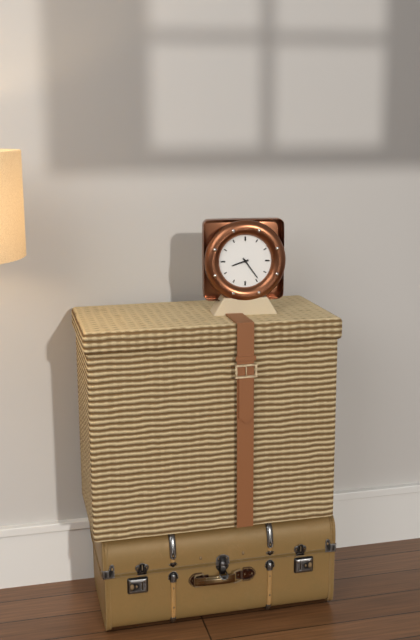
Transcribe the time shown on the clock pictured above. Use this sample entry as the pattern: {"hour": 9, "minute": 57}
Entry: {"hour": 8, "minute": 24}
